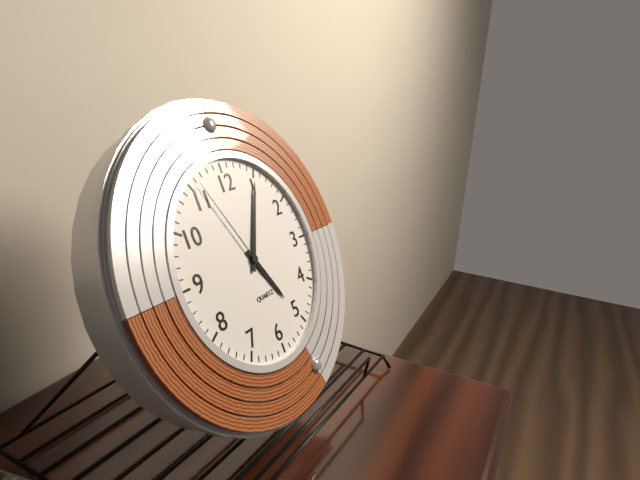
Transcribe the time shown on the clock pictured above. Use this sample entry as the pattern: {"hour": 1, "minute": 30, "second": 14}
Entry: {"hour": 5, "minute": 5, "second": 56}
